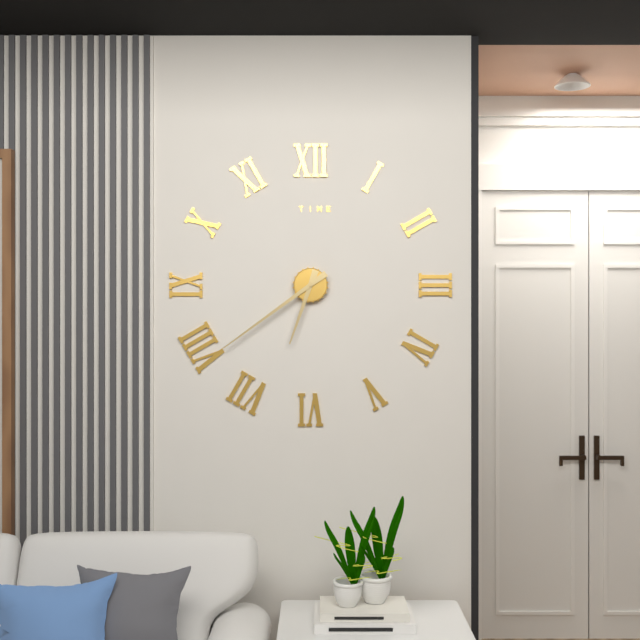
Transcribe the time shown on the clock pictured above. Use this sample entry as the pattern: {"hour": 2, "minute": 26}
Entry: {"hour": 6, "minute": 39}
